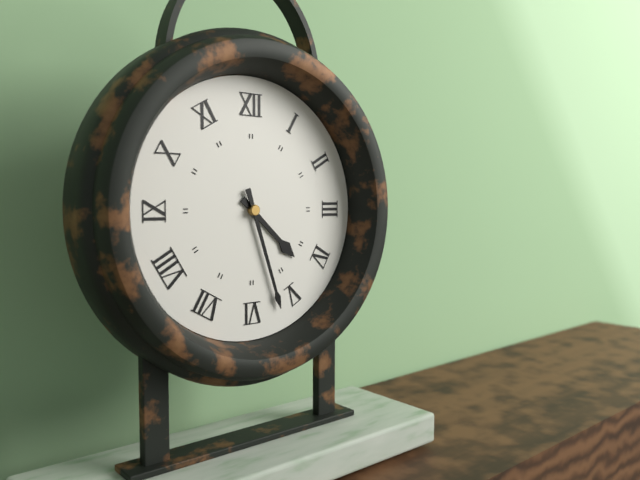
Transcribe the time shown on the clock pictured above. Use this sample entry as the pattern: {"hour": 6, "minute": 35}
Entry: {"hour": 4, "minute": 27}
